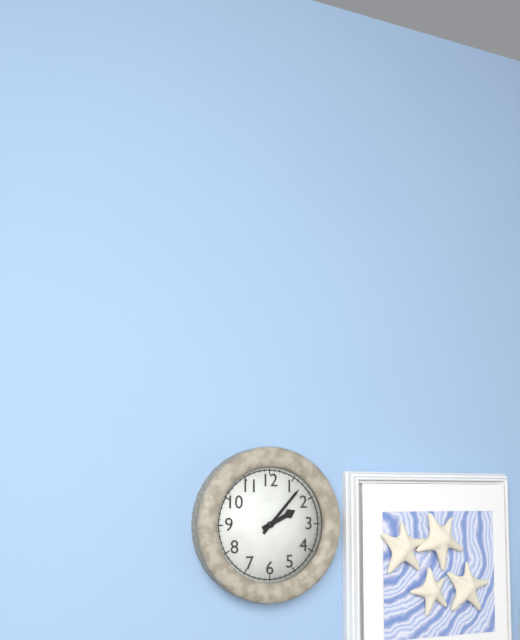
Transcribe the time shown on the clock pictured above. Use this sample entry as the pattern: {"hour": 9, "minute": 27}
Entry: {"hour": 2, "minute": 7}
